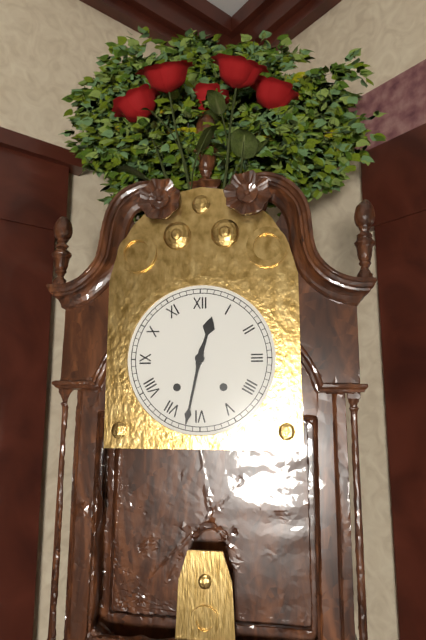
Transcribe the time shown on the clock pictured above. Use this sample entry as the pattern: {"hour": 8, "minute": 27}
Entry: {"hour": 12, "minute": 32}
